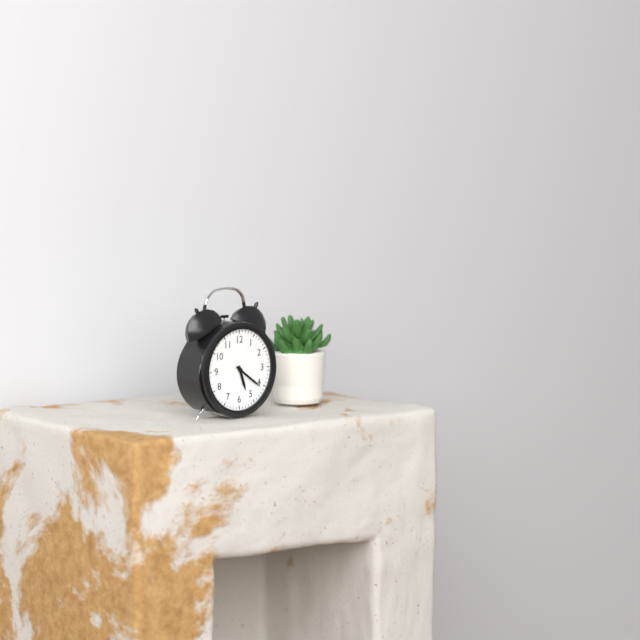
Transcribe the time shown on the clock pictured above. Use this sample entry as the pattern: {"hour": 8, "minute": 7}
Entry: {"hour": 5, "minute": 21}
